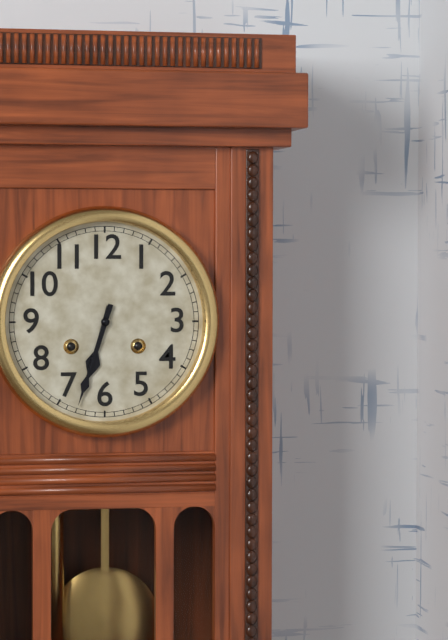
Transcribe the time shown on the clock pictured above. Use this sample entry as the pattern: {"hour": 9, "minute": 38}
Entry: {"hour": 6, "minute": 33}
